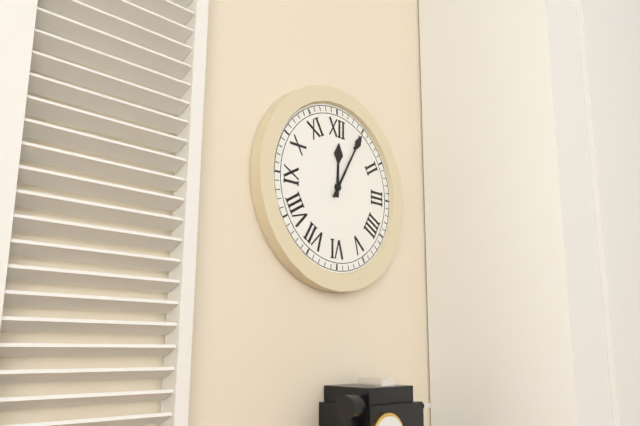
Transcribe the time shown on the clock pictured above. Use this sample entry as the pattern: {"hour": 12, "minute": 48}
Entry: {"hour": 12, "minute": 5}
